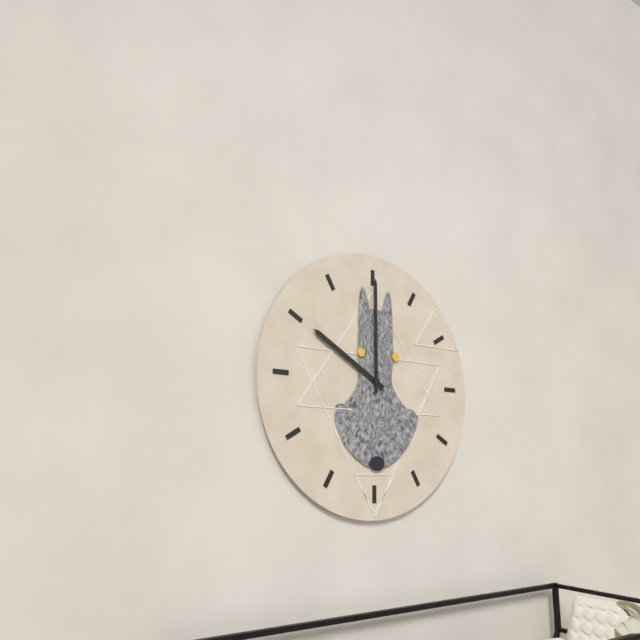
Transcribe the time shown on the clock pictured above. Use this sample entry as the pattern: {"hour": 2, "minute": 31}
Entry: {"hour": 10, "minute": 0}
